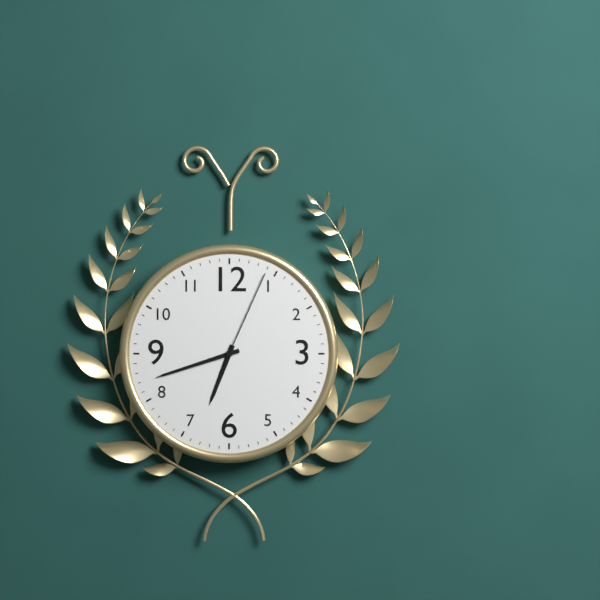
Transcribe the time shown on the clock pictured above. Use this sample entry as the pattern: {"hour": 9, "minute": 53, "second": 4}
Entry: {"hour": 6, "minute": 42, "second": 4}
